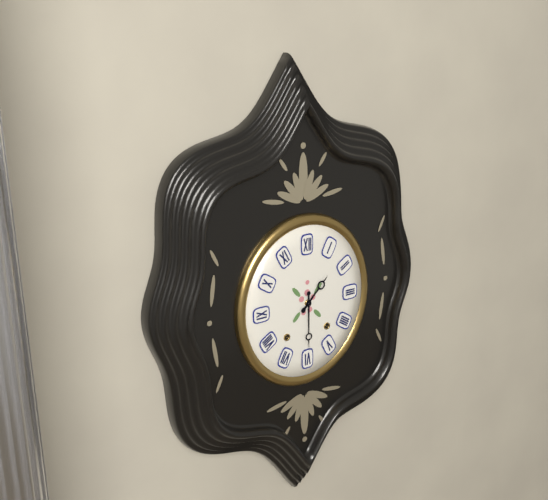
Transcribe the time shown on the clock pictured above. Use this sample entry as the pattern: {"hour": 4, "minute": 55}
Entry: {"hour": 1, "minute": 30}
